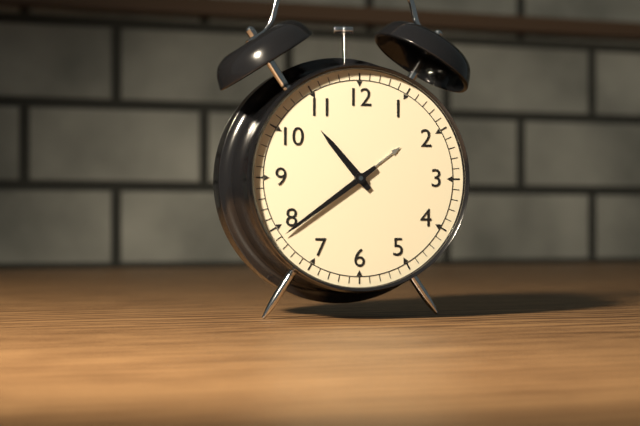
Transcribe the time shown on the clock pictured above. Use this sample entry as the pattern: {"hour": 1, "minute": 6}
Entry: {"hour": 10, "minute": 39}
